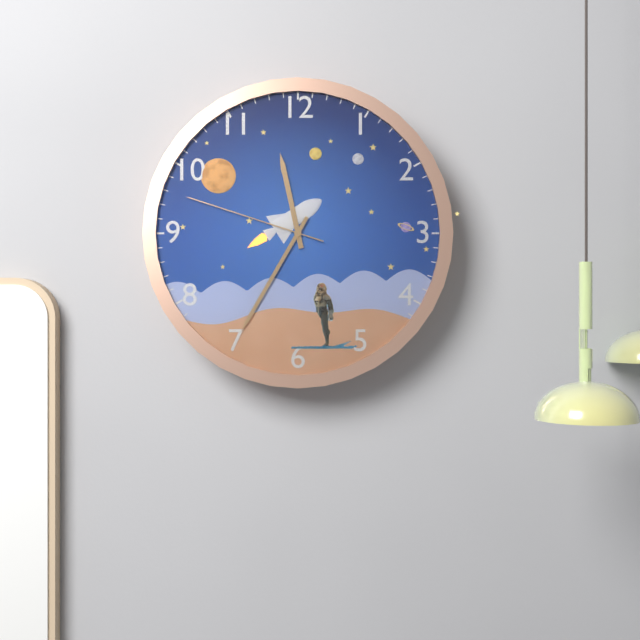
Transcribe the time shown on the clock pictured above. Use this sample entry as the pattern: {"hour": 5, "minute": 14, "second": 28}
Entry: {"hour": 11, "minute": 35, "second": 48}
